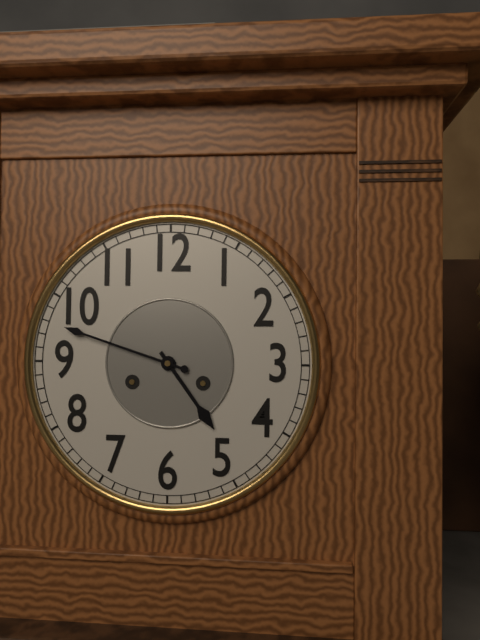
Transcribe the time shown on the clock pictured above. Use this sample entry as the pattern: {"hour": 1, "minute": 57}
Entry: {"hour": 4, "minute": 48}
